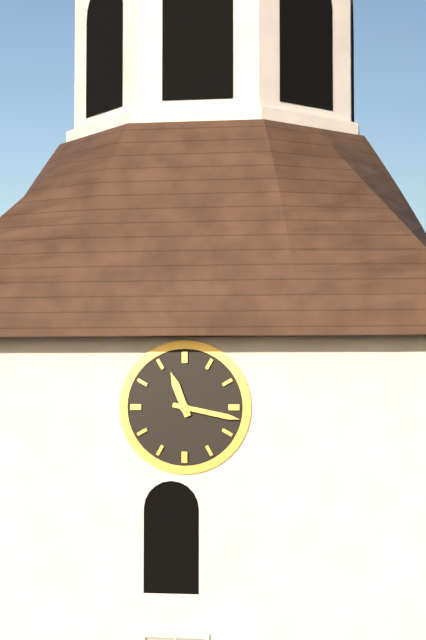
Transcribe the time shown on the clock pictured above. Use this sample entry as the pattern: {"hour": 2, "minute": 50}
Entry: {"hour": 11, "minute": 17}
